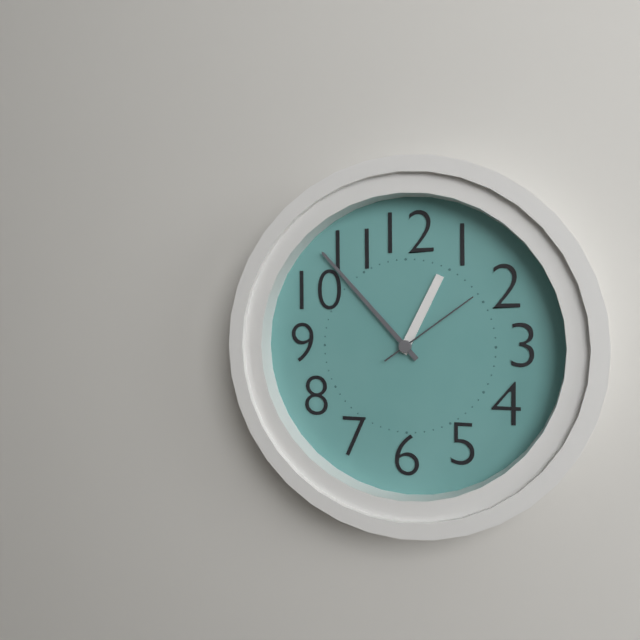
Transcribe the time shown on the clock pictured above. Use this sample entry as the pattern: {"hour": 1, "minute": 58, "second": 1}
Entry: {"hour": 12, "minute": 53, "second": 9}
